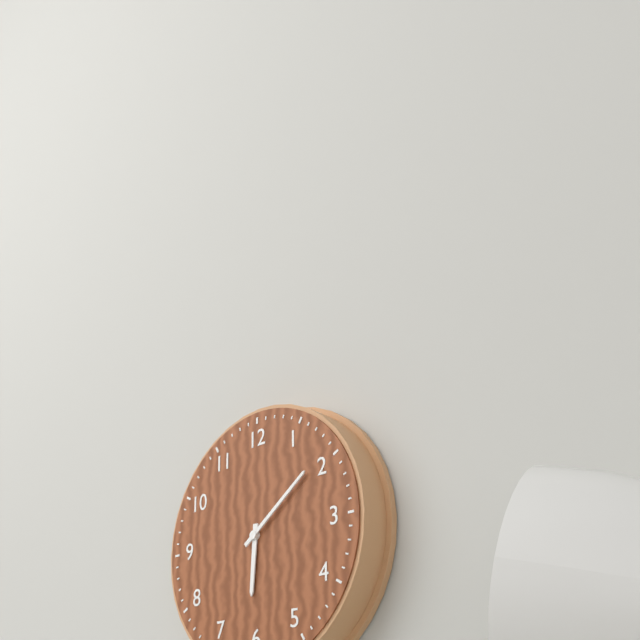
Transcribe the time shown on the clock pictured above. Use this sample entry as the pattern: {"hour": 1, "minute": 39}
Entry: {"hour": 6, "minute": 9}
